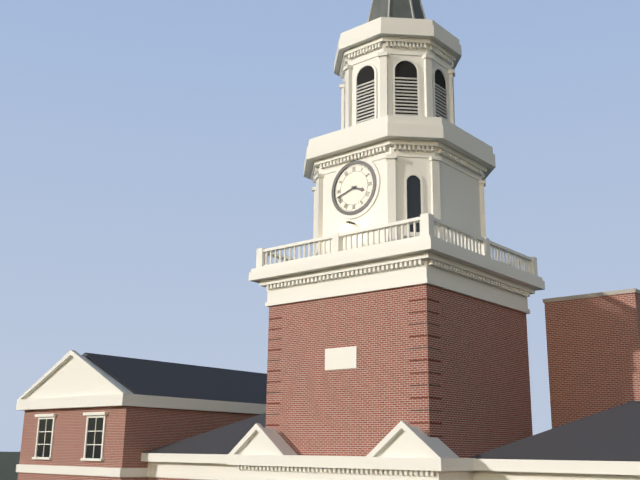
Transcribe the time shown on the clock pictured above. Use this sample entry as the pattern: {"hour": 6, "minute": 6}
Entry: {"hour": 3, "minute": 42}
